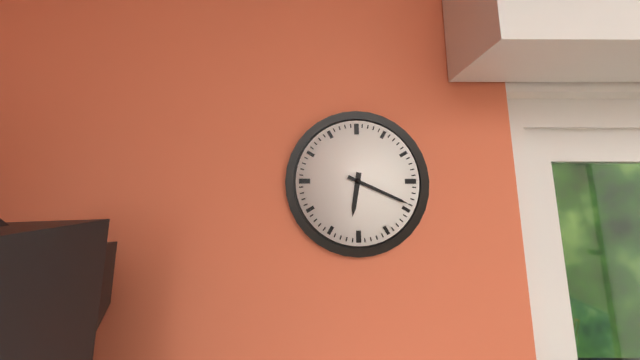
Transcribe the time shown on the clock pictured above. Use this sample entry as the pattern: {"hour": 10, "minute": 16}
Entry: {"hour": 6, "minute": 19}
